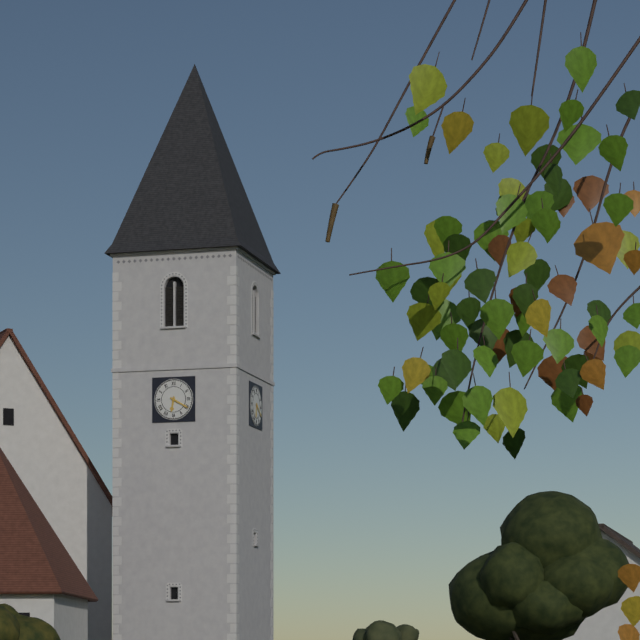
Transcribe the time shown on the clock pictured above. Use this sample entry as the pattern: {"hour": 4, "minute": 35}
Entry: {"hour": 6, "minute": 20}
